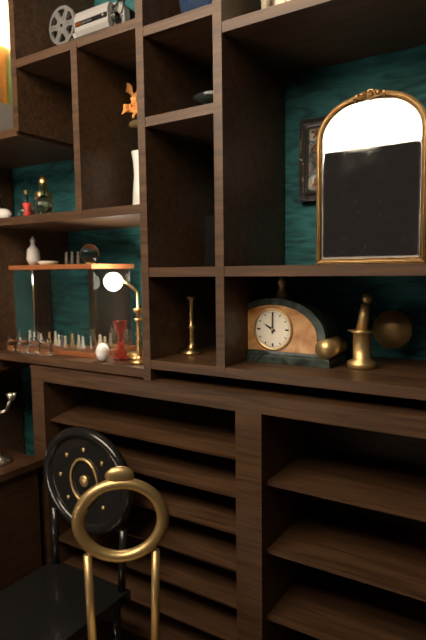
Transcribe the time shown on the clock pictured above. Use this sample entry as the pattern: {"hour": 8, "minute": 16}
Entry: {"hour": 10, "minute": 0}
